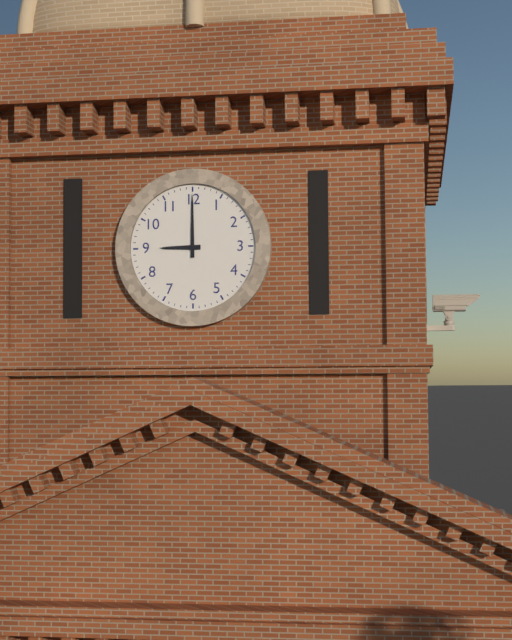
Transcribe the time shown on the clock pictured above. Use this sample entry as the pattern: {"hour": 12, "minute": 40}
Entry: {"hour": 9, "minute": 0}
